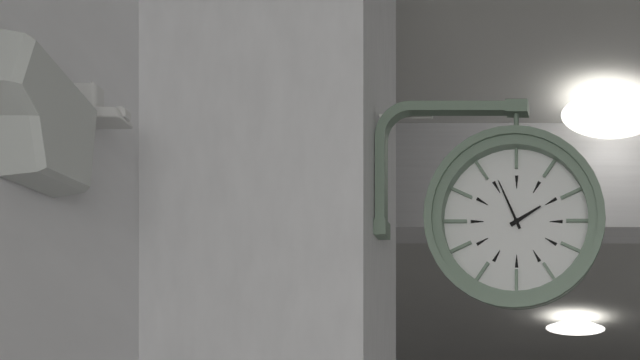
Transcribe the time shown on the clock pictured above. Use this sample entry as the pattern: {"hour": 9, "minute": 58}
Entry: {"hour": 1, "minute": 56}
